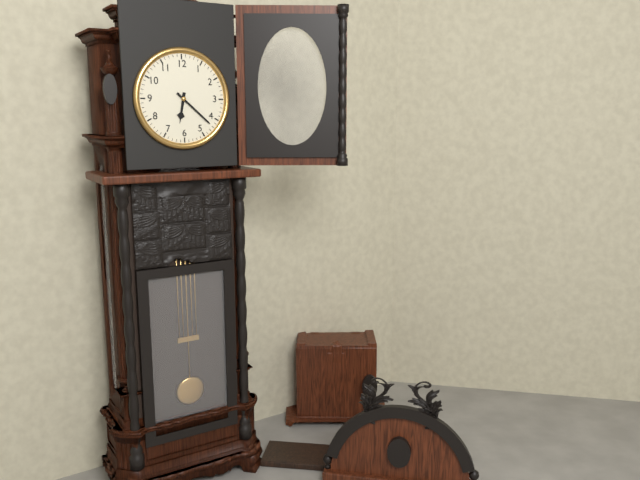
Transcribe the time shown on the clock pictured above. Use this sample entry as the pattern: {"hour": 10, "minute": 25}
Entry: {"hour": 6, "minute": 22}
